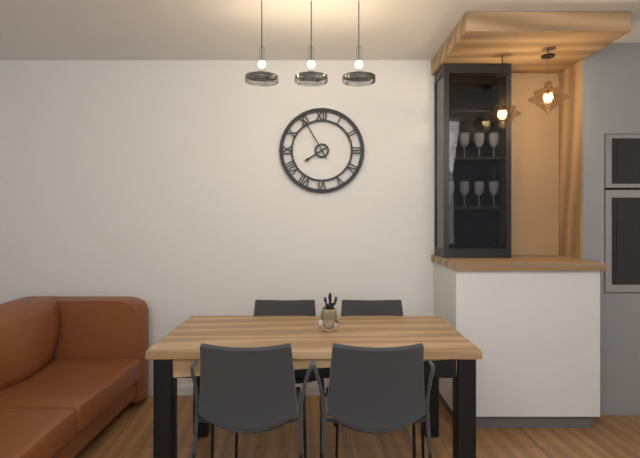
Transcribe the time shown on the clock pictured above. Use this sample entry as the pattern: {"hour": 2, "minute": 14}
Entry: {"hour": 7, "minute": 55}
